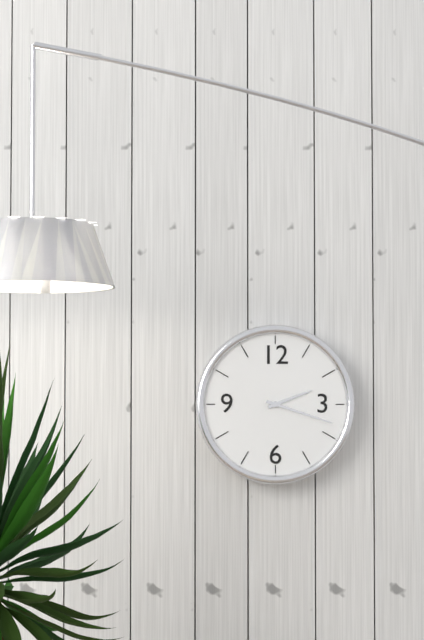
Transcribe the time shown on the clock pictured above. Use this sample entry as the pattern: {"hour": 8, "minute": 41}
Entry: {"hour": 2, "minute": 18}
